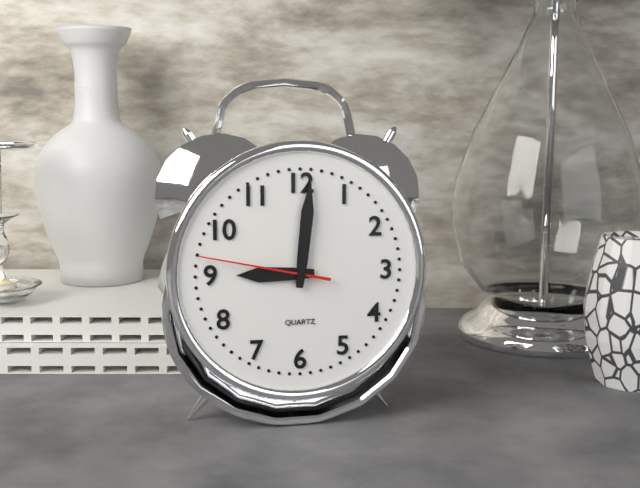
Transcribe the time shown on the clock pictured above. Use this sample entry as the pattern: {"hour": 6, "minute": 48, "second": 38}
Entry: {"hour": 9, "minute": 1, "second": 47}
